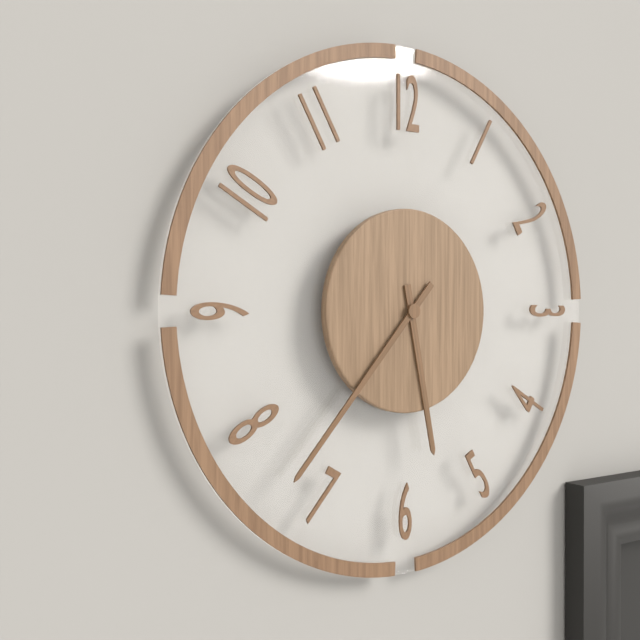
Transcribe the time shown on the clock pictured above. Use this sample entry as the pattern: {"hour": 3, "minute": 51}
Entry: {"hour": 5, "minute": 37}
